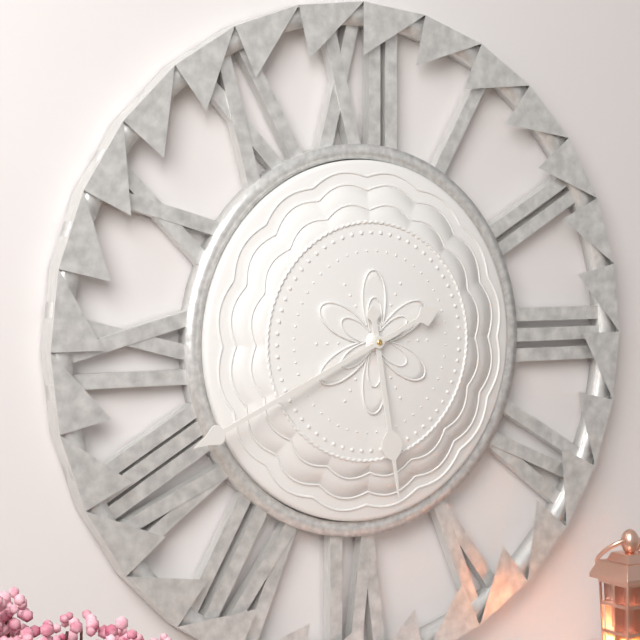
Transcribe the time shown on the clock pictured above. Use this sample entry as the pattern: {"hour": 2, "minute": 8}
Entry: {"hour": 5, "minute": 41}
